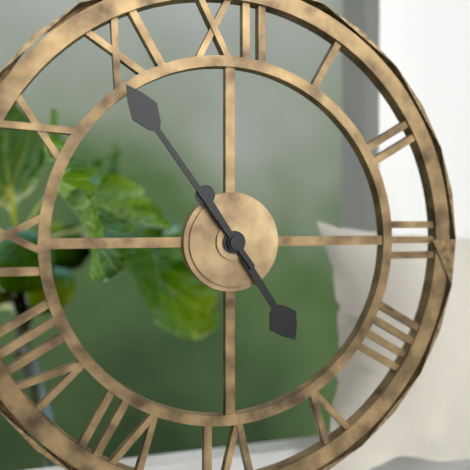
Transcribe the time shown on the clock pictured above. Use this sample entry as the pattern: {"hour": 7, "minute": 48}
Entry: {"hour": 4, "minute": 54}
